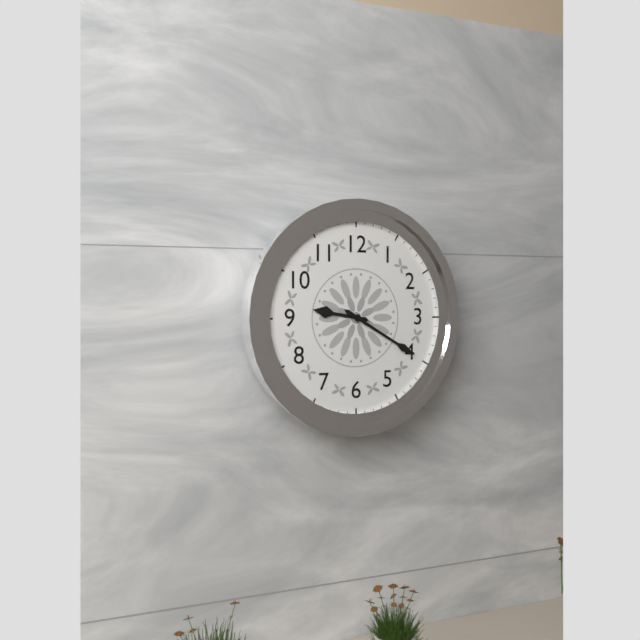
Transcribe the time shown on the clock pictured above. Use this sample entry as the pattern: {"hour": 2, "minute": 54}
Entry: {"hour": 9, "minute": 20}
